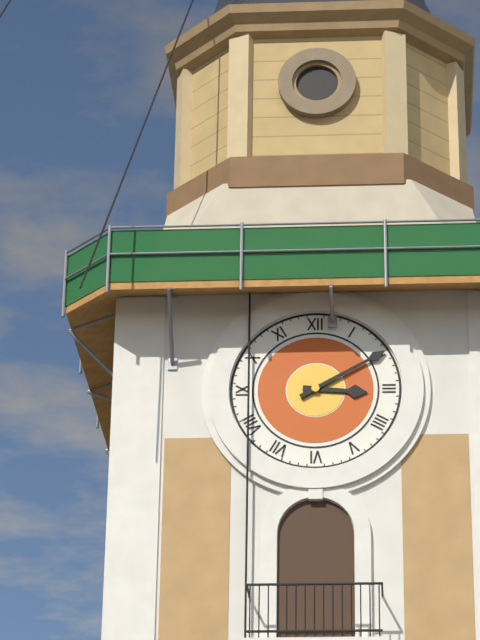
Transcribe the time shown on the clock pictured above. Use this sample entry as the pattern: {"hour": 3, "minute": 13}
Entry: {"hour": 3, "minute": 10}
